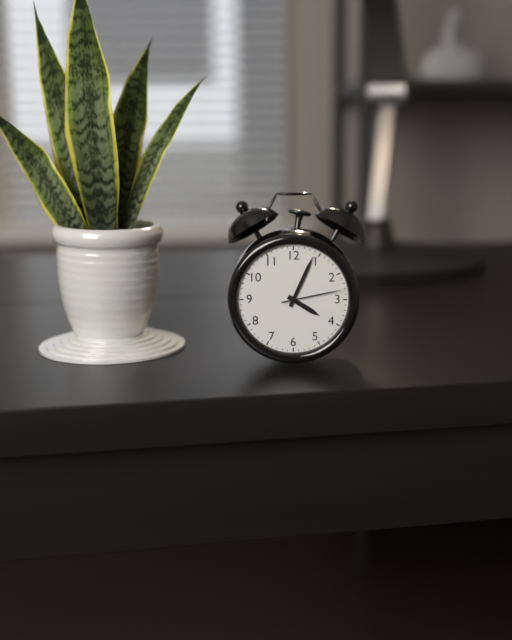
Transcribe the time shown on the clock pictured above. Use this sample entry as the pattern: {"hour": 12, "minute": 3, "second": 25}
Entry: {"hour": 4, "minute": 4, "second": 13}
